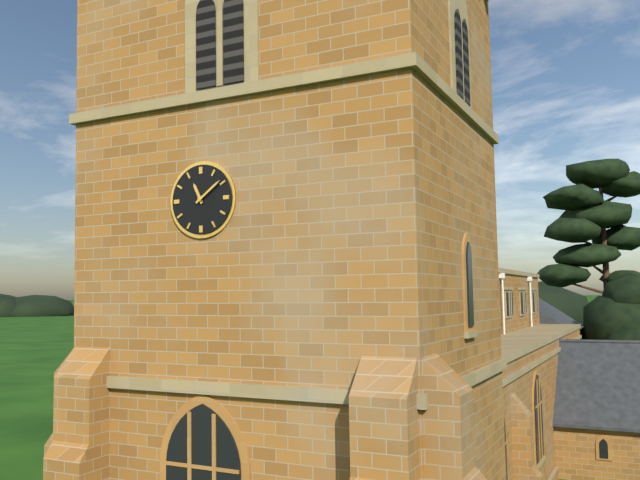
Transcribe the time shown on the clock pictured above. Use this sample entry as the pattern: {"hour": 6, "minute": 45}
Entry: {"hour": 11, "minute": 9}
